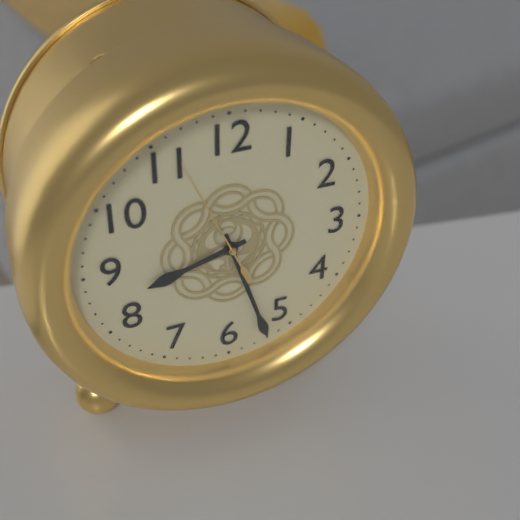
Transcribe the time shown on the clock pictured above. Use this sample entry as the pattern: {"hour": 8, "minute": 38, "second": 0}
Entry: {"hour": 8, "minute": 27, "second": 56}
